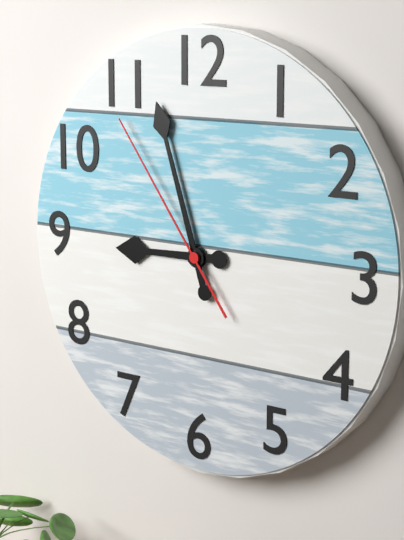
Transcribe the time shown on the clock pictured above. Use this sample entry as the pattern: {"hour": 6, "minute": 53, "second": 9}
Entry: {"hour": 8, "minute": 57, "second": 54}
